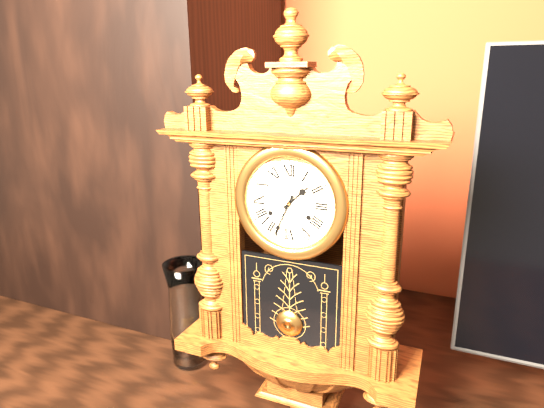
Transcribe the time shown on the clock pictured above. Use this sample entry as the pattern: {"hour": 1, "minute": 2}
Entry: {"hour": 1, "minute": 34}
